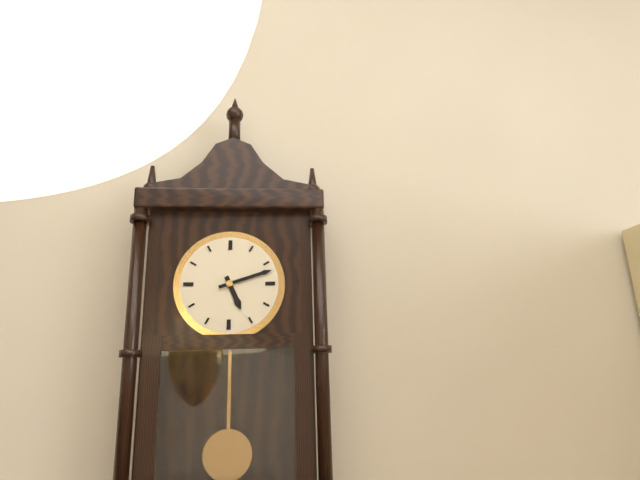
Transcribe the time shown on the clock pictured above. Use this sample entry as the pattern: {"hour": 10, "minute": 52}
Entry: {"hour": 5, "minute": 12}
